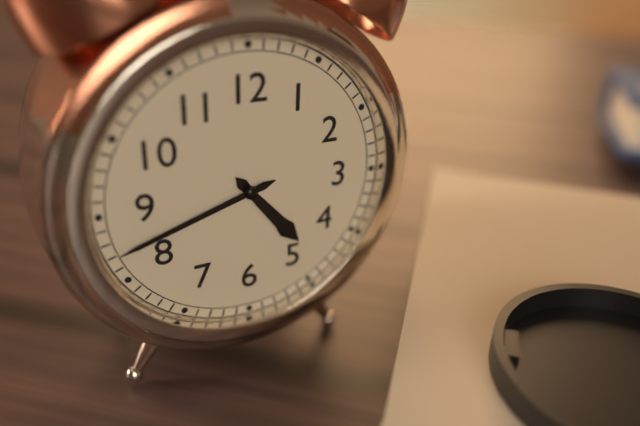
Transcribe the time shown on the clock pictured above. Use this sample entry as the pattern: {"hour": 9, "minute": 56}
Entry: {"hour": 4, "minute": 42}
